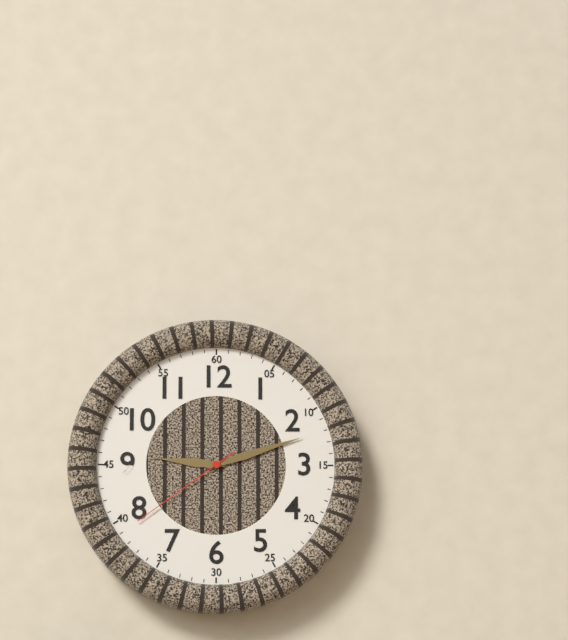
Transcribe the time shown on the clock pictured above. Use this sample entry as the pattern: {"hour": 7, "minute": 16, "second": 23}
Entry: {"hour": 9, "minute": 12, "second": 39}
